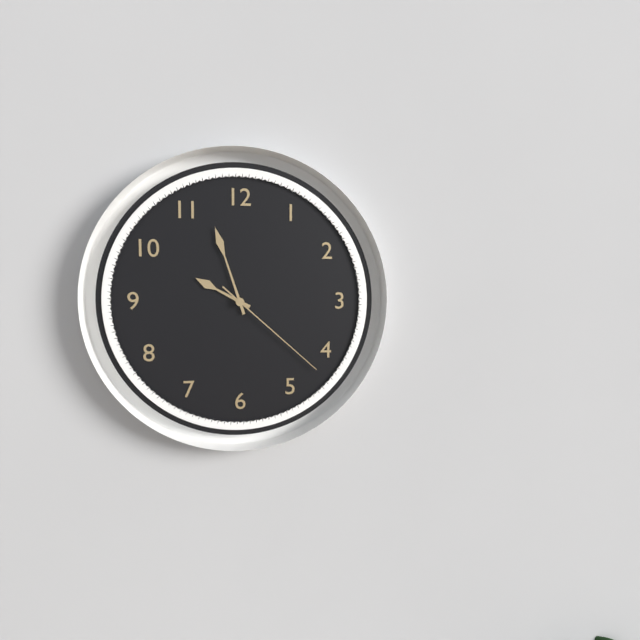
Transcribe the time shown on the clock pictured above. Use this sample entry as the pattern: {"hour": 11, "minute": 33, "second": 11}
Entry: {"hour": 9, "minute": 57, "second": 22}
